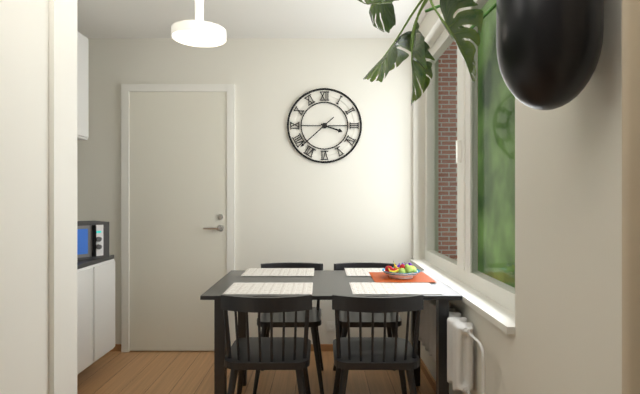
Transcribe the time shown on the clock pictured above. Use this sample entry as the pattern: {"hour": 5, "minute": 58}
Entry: {"hour": 3, "minute": 38}
